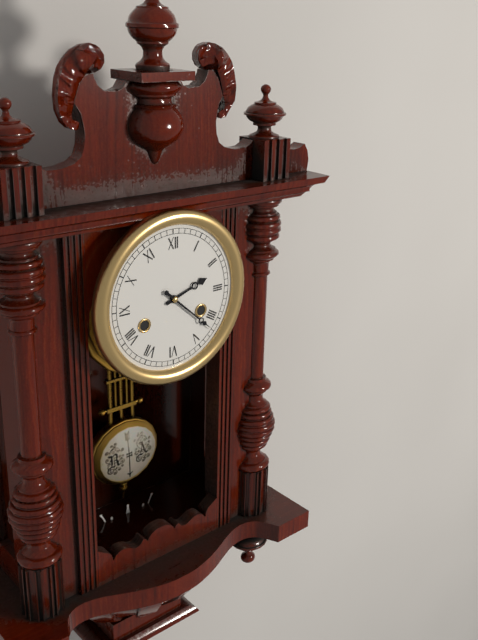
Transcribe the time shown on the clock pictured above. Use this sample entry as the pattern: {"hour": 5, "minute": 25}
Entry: {"hour": 2, "minute": 22}
